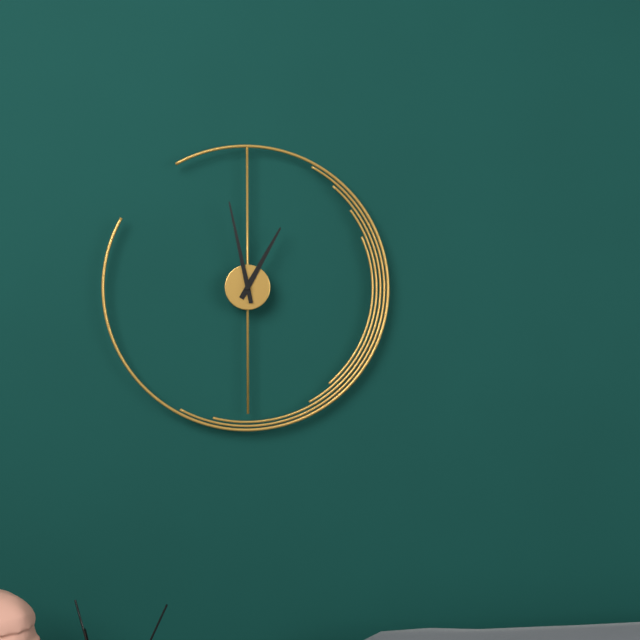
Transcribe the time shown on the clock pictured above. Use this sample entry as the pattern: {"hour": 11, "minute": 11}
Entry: {"hour": 12, "minute": 58}
